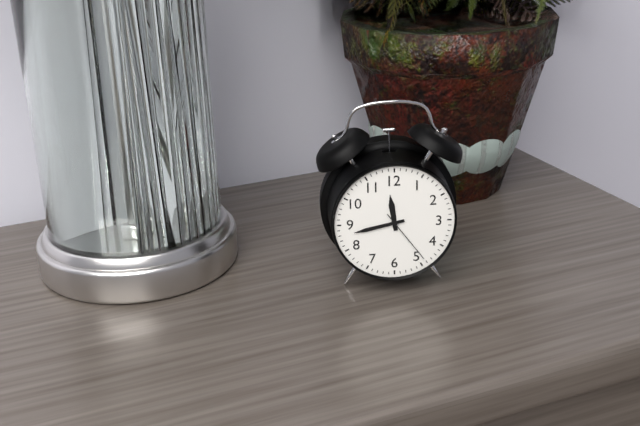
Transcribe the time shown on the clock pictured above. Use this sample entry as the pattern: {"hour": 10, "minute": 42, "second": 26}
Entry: {"hour": 11, "minute": 43, "second": 24}
